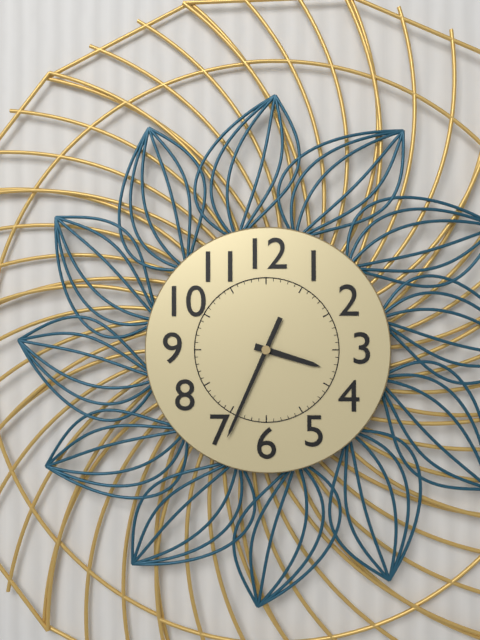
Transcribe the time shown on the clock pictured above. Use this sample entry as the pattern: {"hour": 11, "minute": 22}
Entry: {"hour": 3, "minute": 34}
